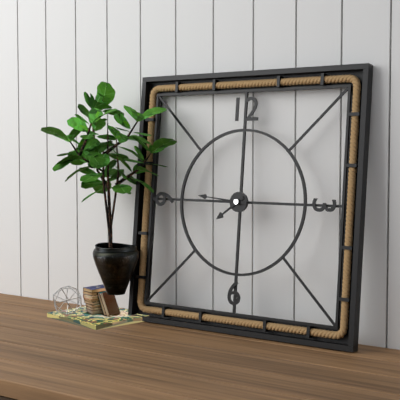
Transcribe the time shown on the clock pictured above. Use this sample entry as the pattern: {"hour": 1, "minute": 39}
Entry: {"hour": 7, "minute": 46}
